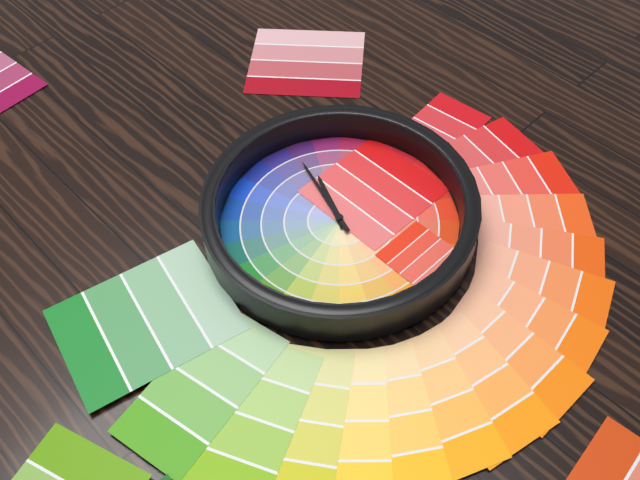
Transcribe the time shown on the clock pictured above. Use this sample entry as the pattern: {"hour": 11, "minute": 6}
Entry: {"hour": 9, "minute": 48}
